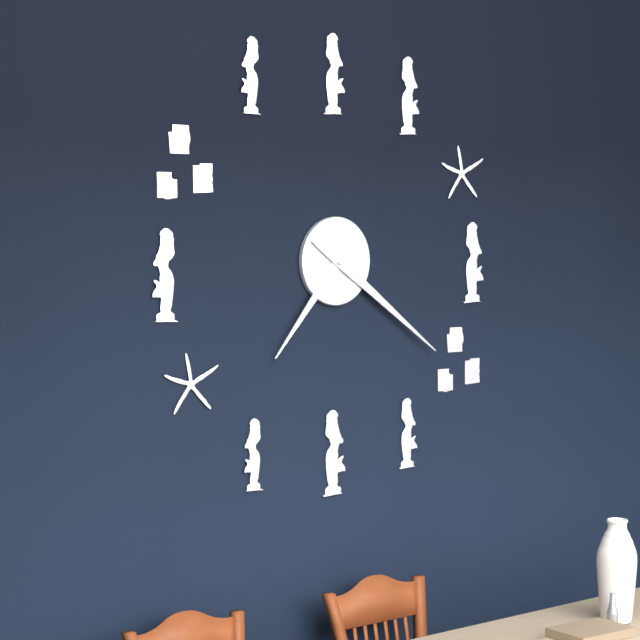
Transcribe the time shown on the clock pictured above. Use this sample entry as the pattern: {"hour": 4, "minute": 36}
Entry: {"hour": 7, "minute": 21}
